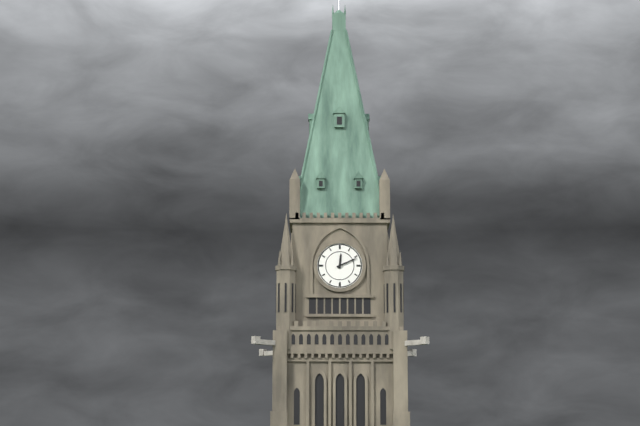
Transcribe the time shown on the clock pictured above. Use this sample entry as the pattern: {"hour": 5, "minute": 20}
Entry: {"hour": 12, "minute": 11}
